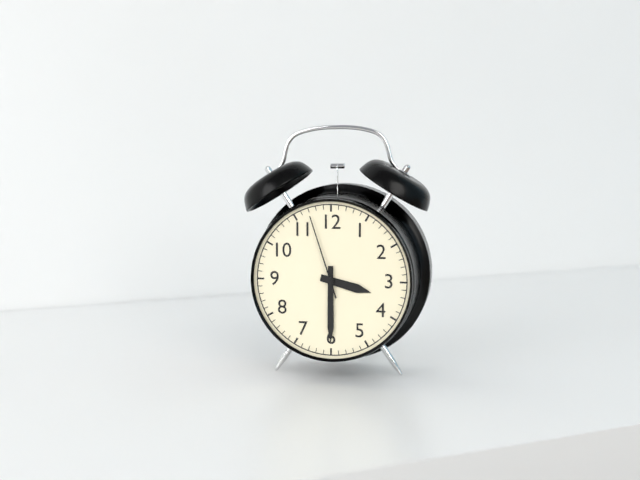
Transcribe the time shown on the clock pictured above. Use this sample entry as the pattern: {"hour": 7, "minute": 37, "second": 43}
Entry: {"hour": 3, "minute": 30, "second": 57}
